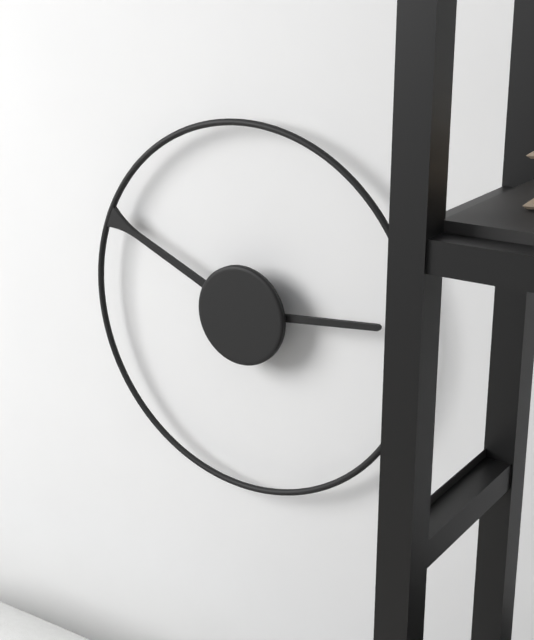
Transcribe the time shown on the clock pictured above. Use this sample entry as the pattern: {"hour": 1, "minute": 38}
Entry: {"hour": 2, "minute": 49}
